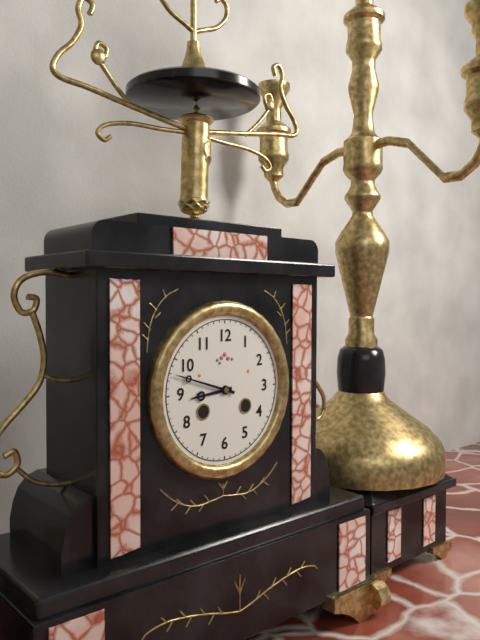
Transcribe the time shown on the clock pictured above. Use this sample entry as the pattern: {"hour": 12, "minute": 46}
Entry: {"hour": 8, "minute": 48}
